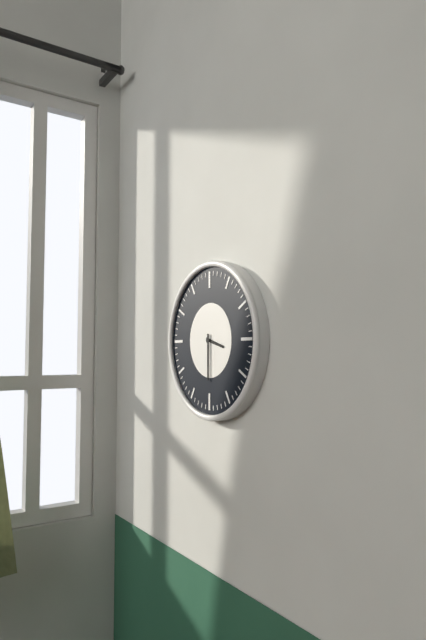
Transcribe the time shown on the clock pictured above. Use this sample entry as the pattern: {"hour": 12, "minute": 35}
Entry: {"hour": 3, "minute": 30}
